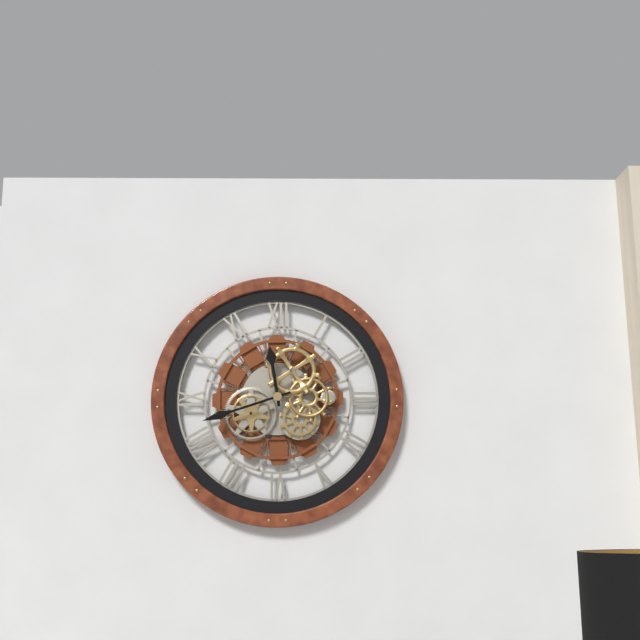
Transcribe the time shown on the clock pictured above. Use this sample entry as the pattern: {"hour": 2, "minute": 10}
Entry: {"hour": 11, "minute": 42}
